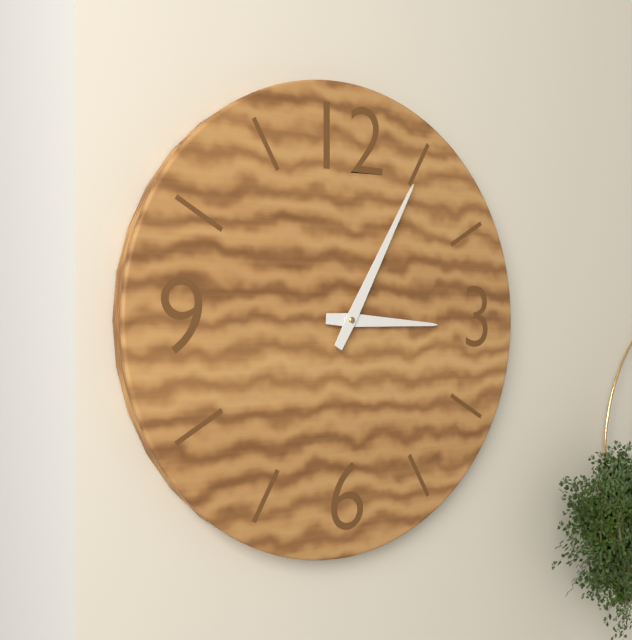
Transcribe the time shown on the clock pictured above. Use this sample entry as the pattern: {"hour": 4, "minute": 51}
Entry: {"hour": 3, "minute": 5}
